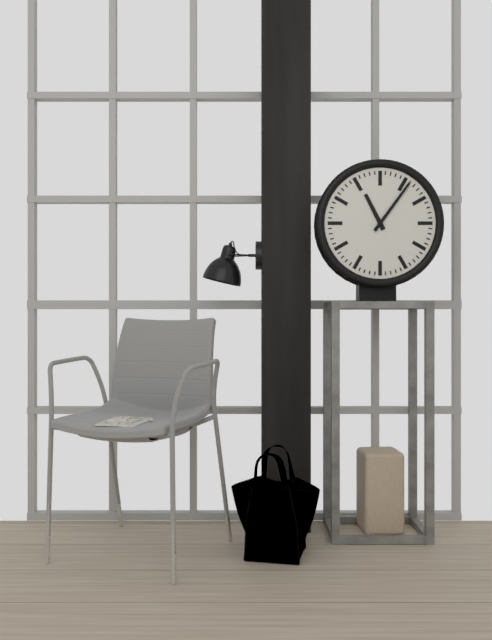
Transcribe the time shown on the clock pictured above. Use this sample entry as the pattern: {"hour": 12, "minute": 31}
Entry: {"hour": 11, "minute": 6}
